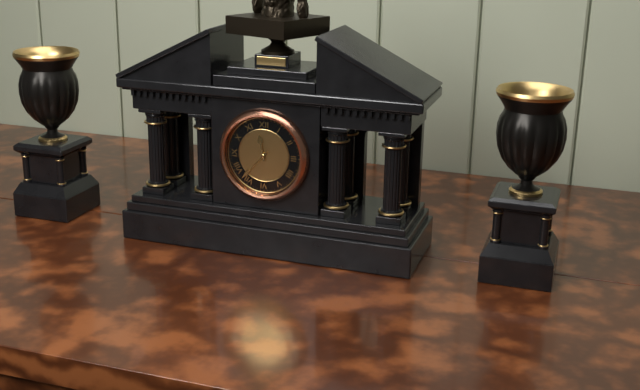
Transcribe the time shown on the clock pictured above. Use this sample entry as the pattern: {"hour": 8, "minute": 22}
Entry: {"hour": 11, "minute": 37}
